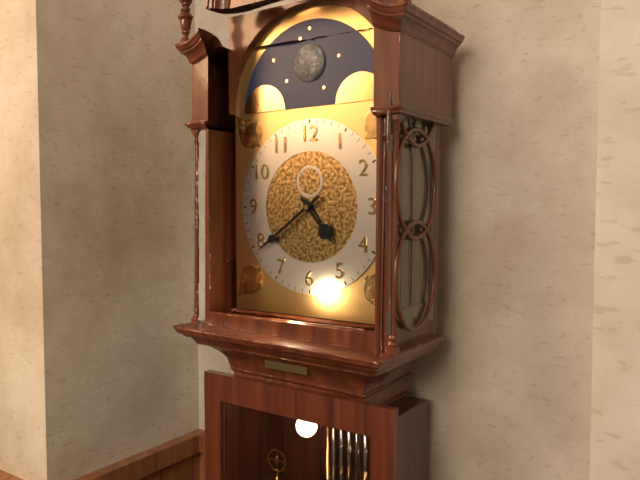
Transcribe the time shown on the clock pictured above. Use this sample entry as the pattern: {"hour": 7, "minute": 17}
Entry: {"hour": 4, "minute": 39}
